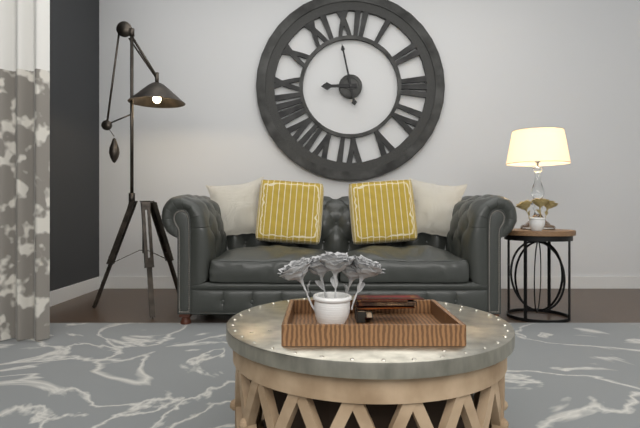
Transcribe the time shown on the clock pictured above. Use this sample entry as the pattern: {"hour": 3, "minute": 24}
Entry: {"hour": 8, "minute": 58}
